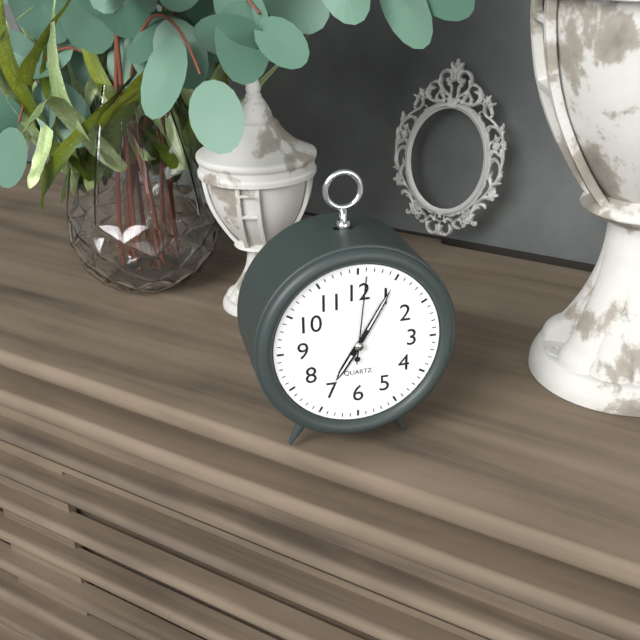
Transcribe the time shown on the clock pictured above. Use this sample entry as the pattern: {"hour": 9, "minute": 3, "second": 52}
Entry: {"hour": 7, "minute": 5, "second": 1}
